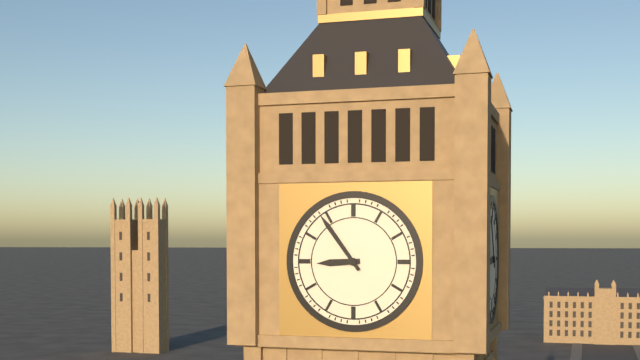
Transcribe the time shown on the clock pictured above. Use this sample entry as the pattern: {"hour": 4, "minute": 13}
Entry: {"hour": 8, "minute": 54}
